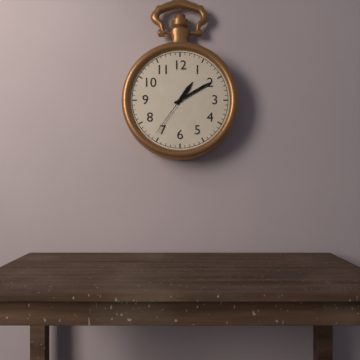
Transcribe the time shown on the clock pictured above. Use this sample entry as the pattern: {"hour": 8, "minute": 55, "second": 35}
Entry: {"hour": 1, "minute": 10, "second": 36}
